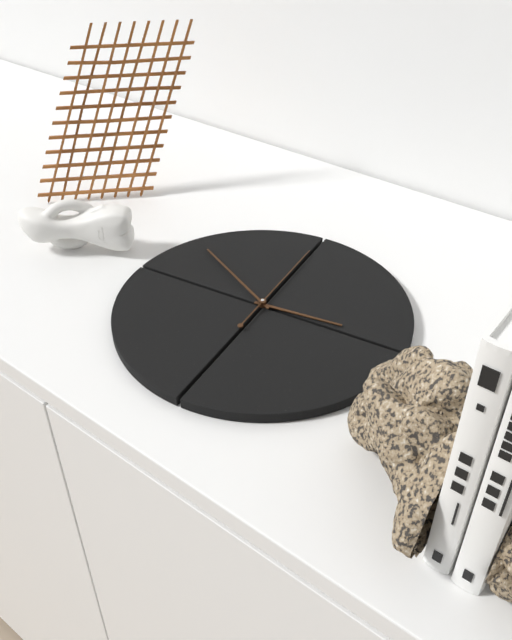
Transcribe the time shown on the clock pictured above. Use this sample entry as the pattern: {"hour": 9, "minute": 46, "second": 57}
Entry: {"hour": 2, "minute": 50, "second": 0}
